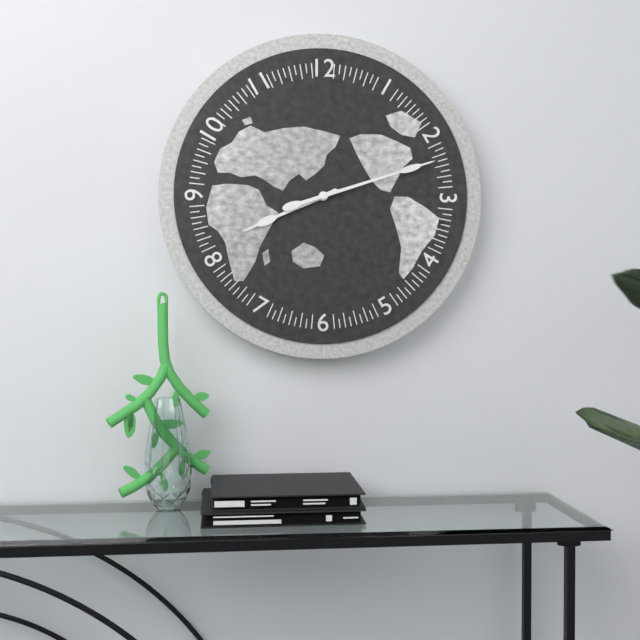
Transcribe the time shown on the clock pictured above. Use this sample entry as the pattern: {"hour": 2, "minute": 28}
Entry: {"hour": 8, "minute": 12}
